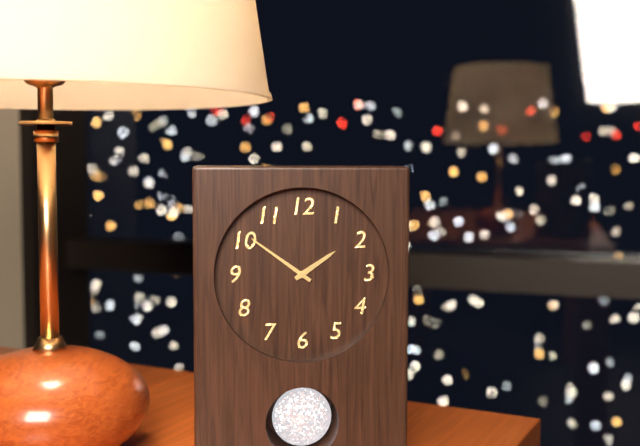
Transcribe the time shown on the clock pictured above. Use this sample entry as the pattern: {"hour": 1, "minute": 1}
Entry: {"hour": 1, "minute": 51}
